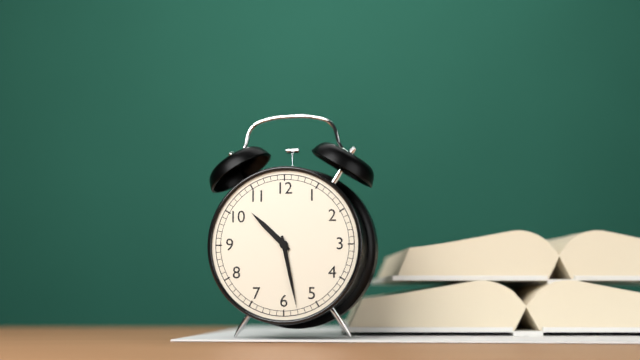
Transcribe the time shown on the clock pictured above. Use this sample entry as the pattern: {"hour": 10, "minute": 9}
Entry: {"hour": 10, "minute": 28}
